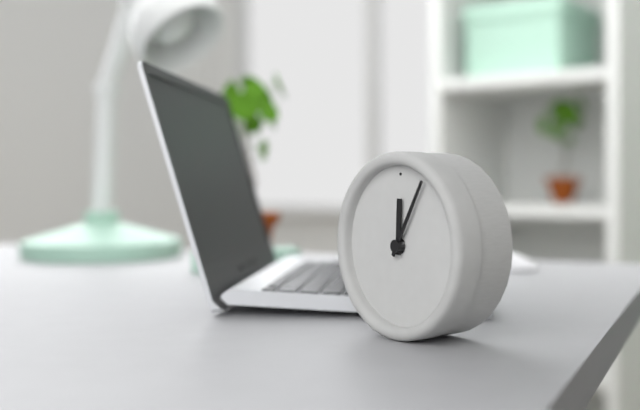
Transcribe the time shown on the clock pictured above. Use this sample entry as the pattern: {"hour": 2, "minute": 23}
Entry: {"hour": 12, "minute": 5}
